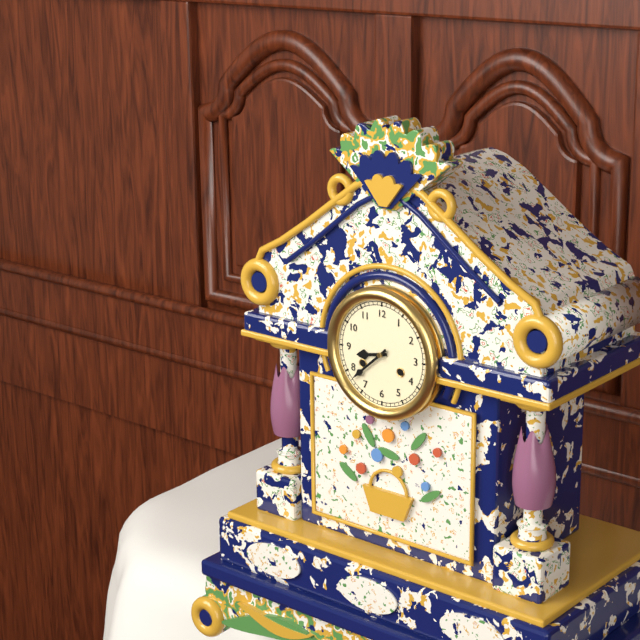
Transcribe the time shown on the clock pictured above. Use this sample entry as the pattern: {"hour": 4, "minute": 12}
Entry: {"hour": 8, "minute": 38}
